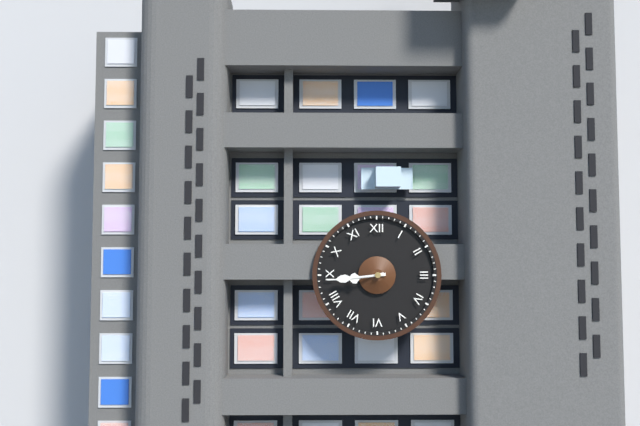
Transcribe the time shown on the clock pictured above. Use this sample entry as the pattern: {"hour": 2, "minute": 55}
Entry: {"hour": 8, "minute": 44}
